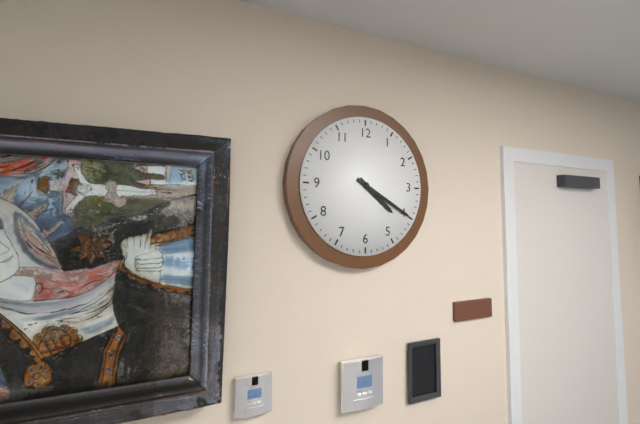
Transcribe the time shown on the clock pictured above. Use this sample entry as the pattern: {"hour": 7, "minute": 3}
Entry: {"hour": 4, "minute": 20}
